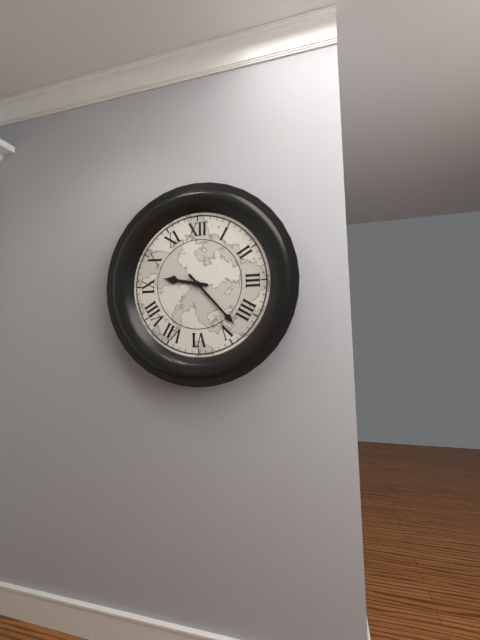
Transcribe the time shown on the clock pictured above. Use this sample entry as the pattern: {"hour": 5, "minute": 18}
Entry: {"hour": 9, "minute": 23}
